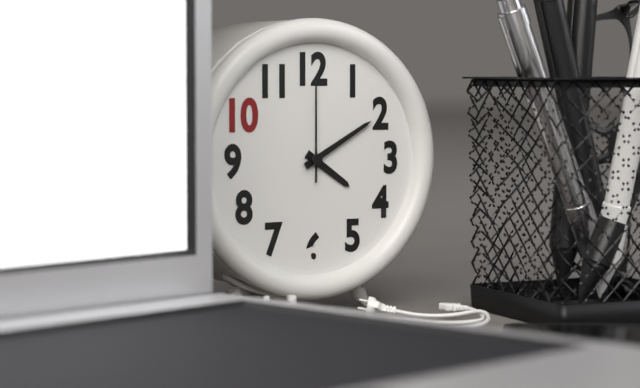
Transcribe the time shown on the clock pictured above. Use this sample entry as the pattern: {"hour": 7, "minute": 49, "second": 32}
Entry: {"hour": 4, "minute": 10, "second": 0}
